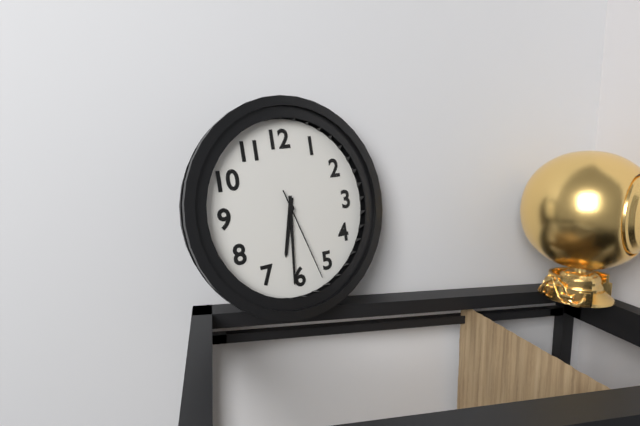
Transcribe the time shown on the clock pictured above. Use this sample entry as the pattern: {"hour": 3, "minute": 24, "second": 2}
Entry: {"hour": 6, "minute": 31, "second": 27}
